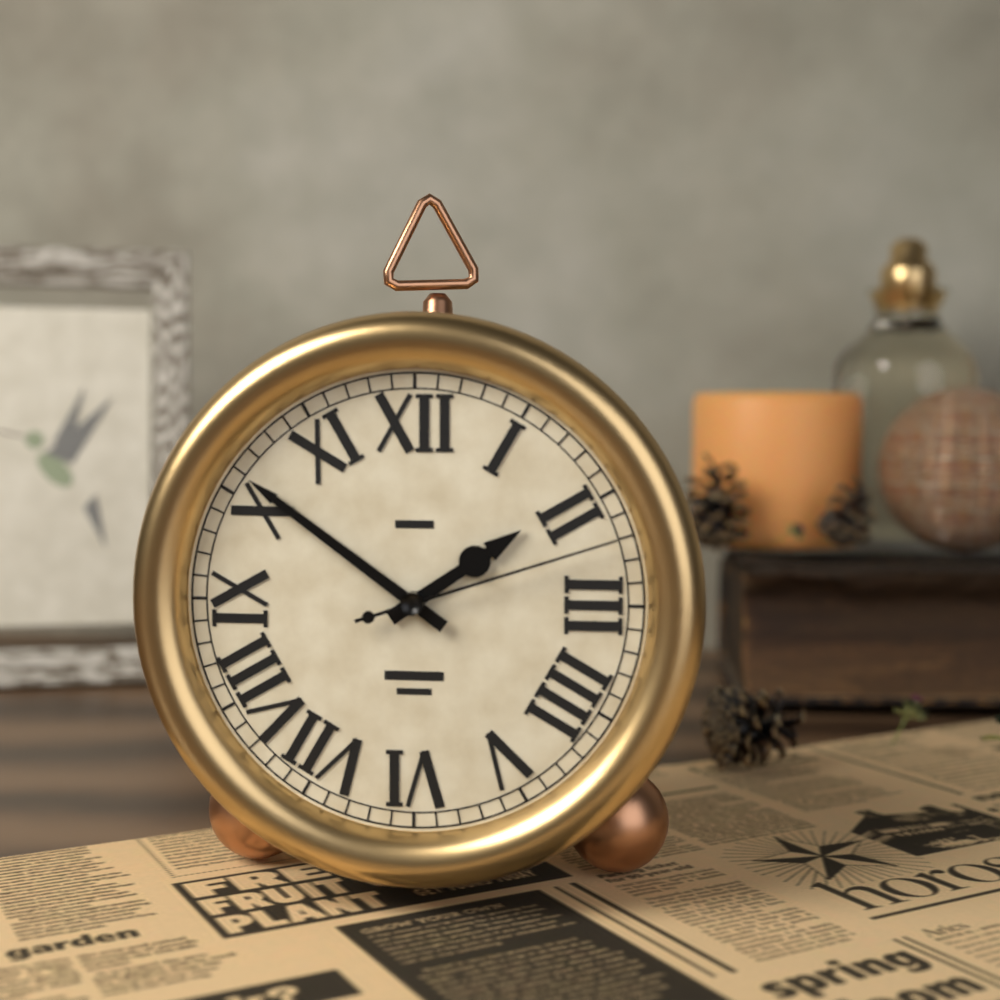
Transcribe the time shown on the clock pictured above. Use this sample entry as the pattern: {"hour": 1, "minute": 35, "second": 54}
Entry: {"hour": 1, "minute": 51, "second": 12}
